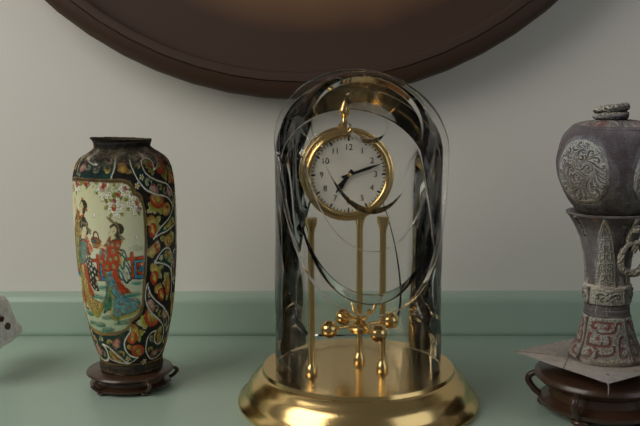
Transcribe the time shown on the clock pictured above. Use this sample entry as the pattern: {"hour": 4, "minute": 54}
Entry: {"hour": 7, "minute": 12}
